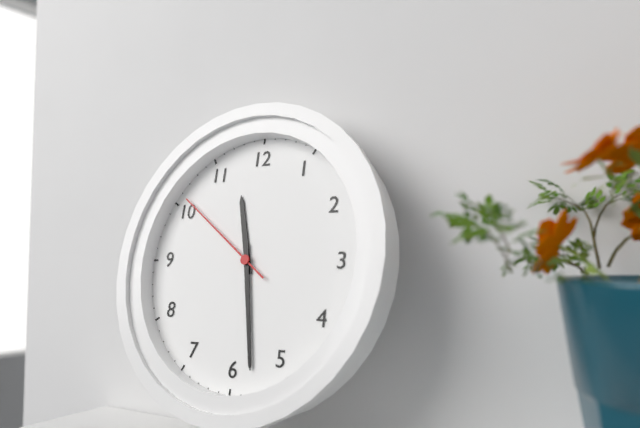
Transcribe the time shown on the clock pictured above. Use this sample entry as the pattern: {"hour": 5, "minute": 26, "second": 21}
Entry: {"hour": 11, "minute": 28, "second": 51}
